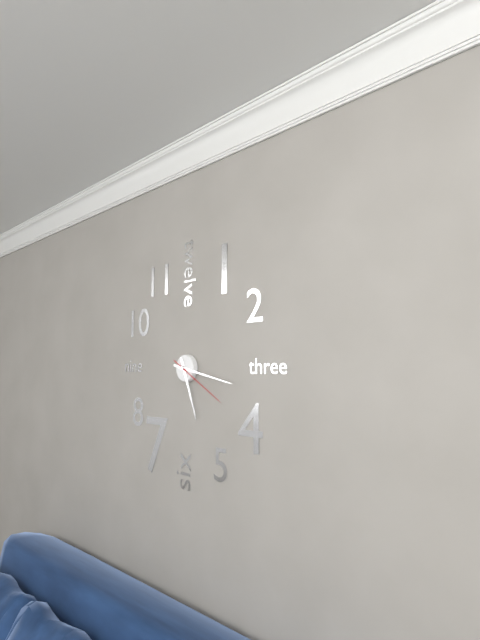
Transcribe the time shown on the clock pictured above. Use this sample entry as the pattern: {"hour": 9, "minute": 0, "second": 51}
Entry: {"hour": 5, "minute": 17, "second": 20}
